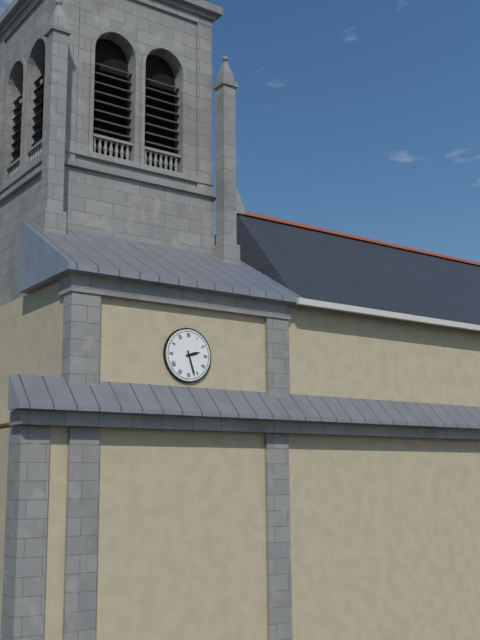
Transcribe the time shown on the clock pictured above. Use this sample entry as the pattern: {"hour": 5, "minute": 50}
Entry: {"hour": 2, "minute": 27}
